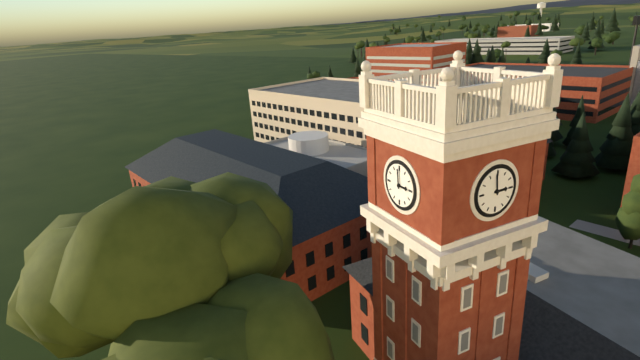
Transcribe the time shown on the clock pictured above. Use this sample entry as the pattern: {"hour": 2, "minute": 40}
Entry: {"hour": 2, "minute": 59}
